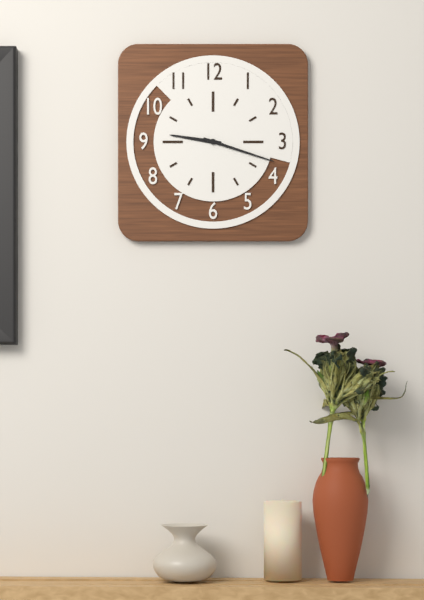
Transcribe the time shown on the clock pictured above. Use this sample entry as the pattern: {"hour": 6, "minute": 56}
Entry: {"hour": 9, "minute": 18}
